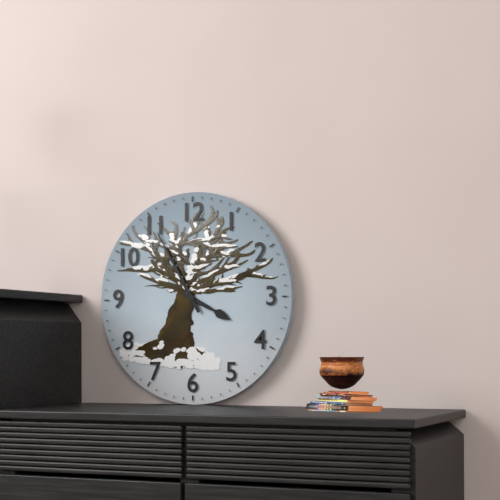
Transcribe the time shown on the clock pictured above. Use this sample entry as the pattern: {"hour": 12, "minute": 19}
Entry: {"hour": 3, "minute": 55}
